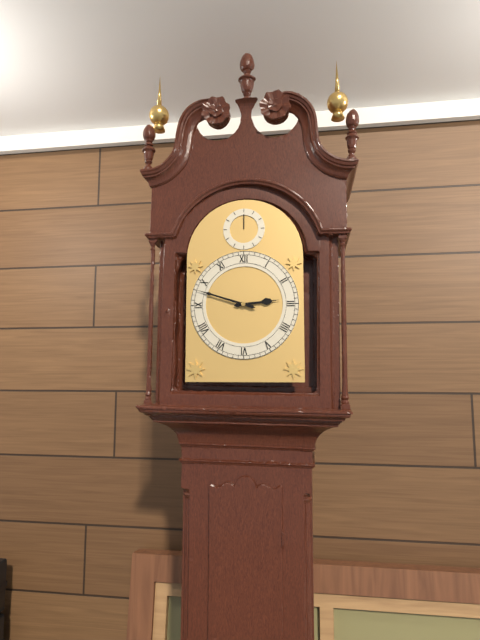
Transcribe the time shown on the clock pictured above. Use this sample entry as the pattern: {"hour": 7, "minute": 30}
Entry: {"hour": 2, "minute": 48}
